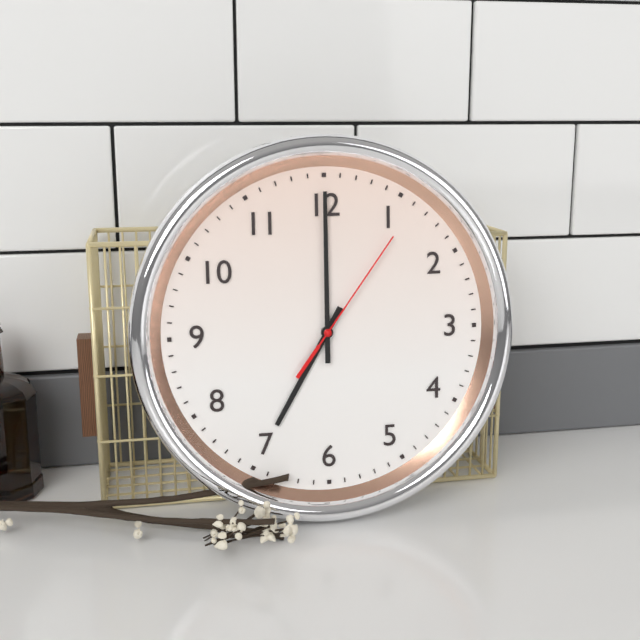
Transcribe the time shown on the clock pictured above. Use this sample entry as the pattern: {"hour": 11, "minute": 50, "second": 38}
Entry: {"hour": 7, "minute": 0, "second": 6}
